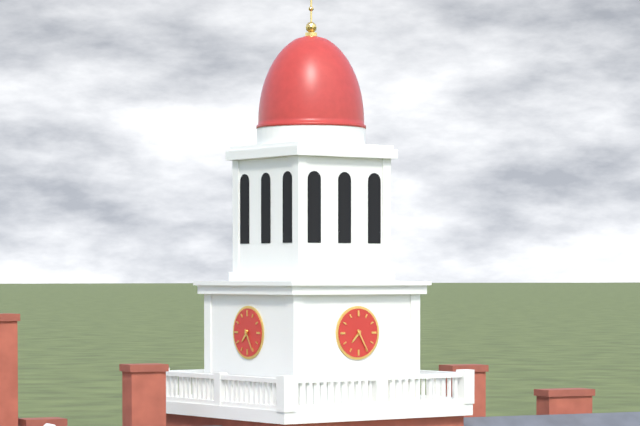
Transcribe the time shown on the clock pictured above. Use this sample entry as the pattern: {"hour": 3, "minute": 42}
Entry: {"hour": 7, "minute": 25}
